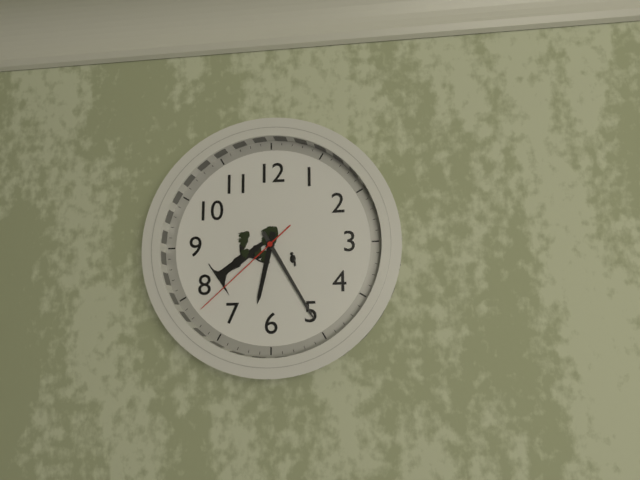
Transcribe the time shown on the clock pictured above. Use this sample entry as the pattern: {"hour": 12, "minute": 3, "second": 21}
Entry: {"hour": 6, "minute": 25, "second": 38}
